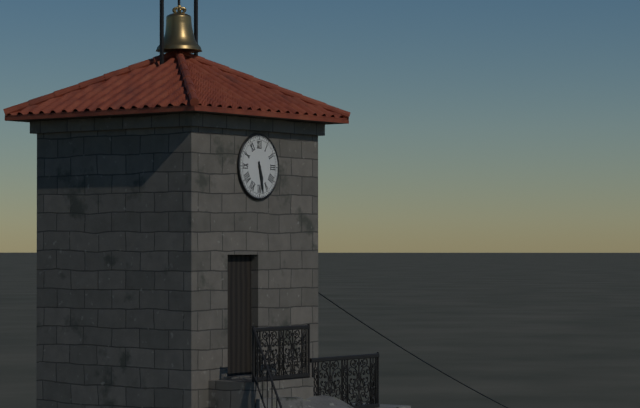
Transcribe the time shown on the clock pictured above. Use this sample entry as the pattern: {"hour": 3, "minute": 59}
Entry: {"hour": 5, "minute": 28}
